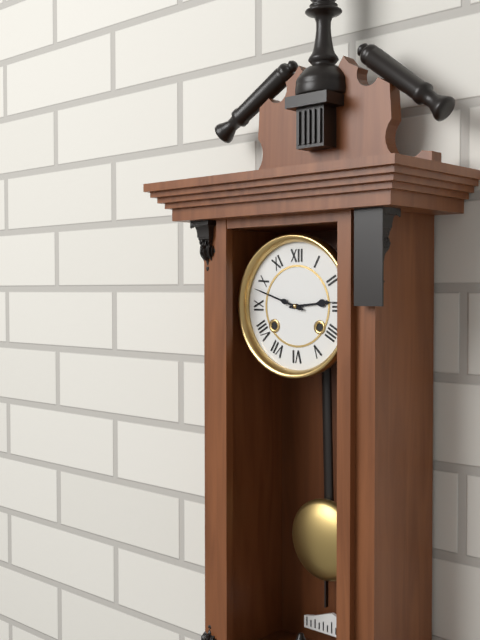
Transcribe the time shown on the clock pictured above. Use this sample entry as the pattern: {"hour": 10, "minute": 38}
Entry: {"hour": 2, "minute": 48}
